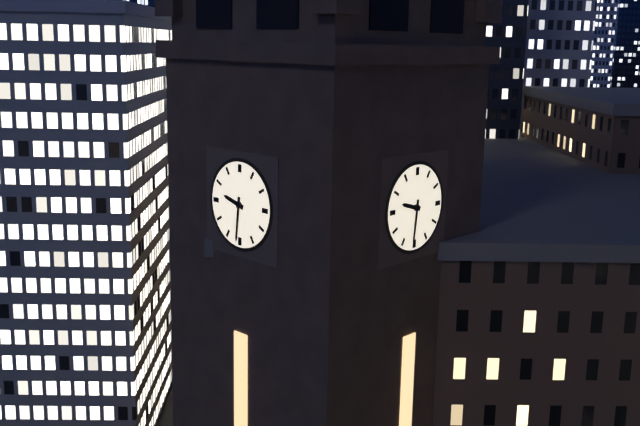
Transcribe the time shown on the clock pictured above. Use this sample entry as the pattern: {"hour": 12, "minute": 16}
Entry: {"hour": 9, "minute": 31}
